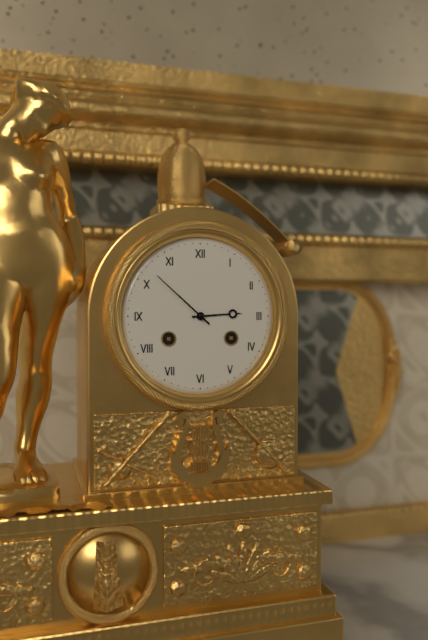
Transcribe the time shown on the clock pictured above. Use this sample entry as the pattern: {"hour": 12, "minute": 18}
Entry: {"hour": 2, "minute": 52}
